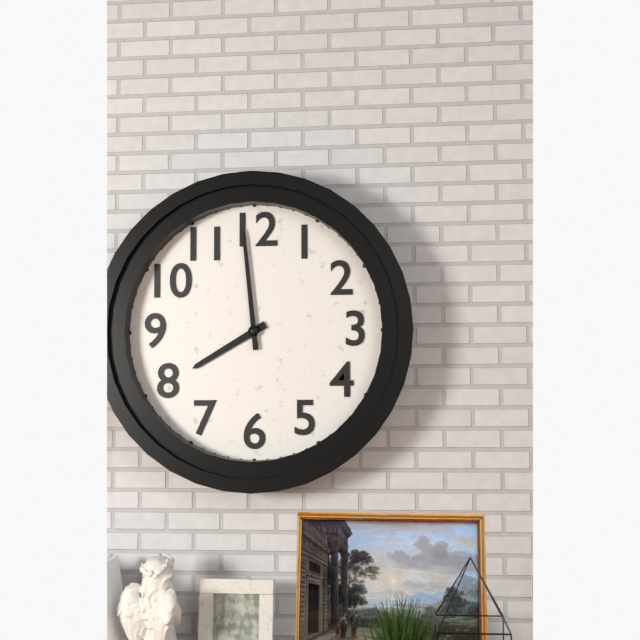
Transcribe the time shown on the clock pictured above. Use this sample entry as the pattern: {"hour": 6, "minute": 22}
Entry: {"hour": 7, "minute": 59}
